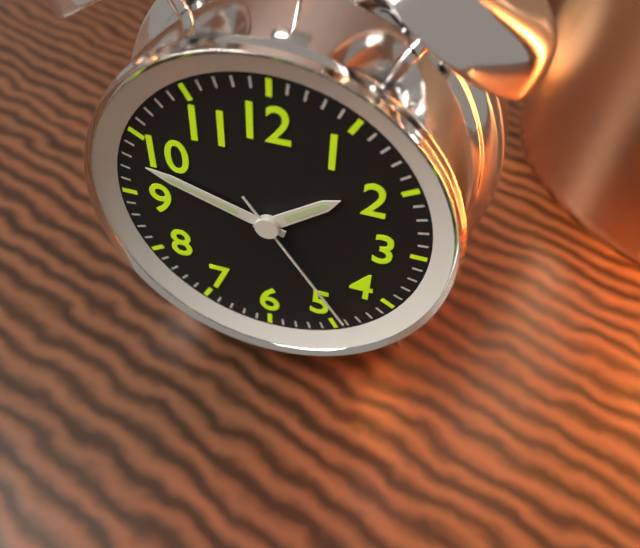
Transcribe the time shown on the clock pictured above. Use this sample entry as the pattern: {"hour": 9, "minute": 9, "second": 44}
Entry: {"hour": 1, "minute": 48, "second": 24}
